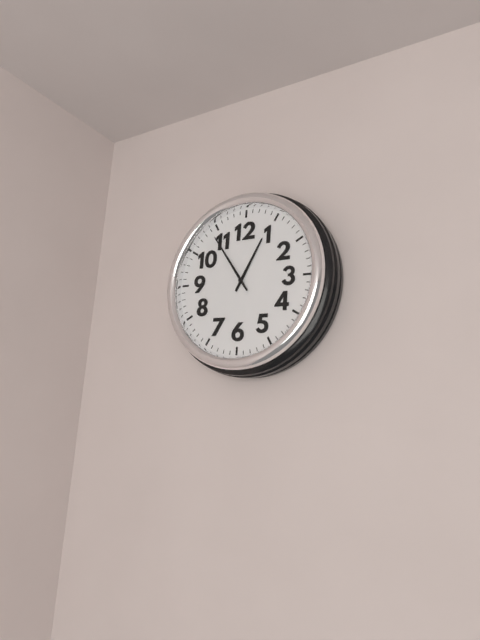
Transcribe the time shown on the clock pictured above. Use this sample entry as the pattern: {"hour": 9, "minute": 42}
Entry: {"hour": 12, "minute": 54}
